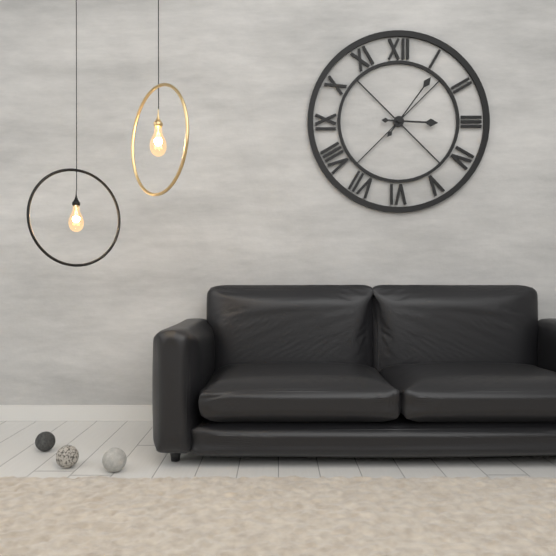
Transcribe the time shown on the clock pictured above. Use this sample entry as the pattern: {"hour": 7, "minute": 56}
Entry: {"hour": 3, "minute": 6}
